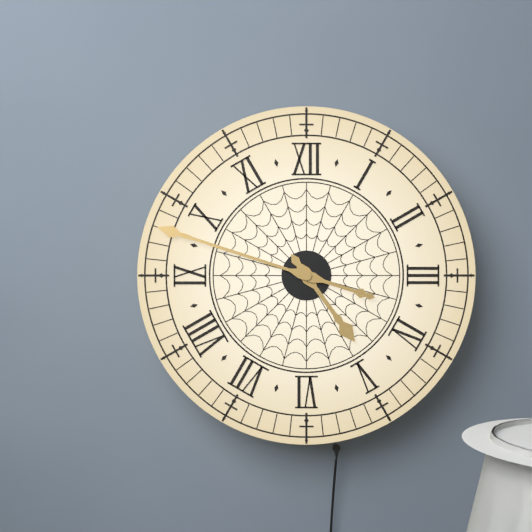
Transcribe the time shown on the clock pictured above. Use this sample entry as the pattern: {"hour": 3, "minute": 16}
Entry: {"hour": 4, "minute": 48}
